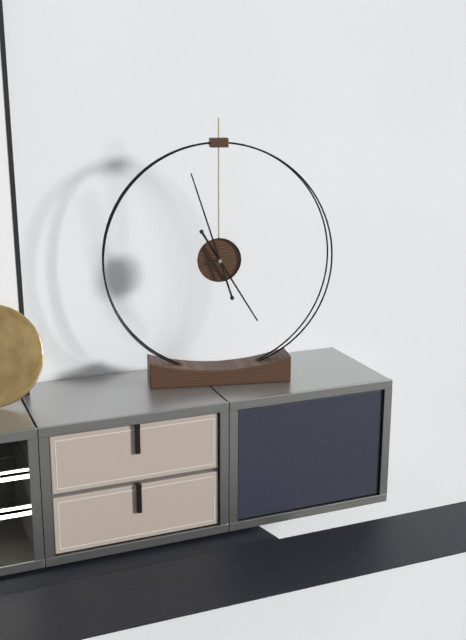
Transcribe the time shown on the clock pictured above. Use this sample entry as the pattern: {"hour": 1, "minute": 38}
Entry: {"hour": 4, "minute": 57}
